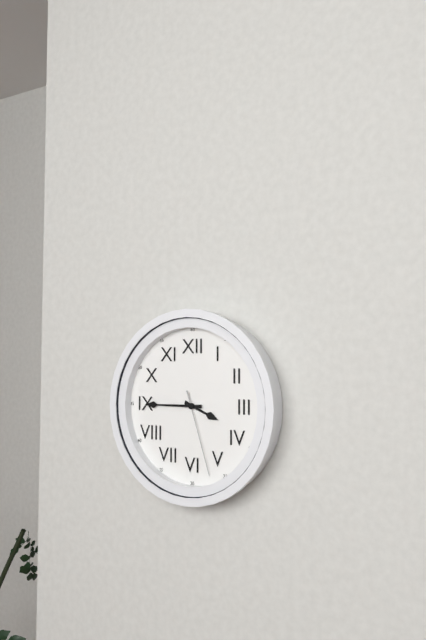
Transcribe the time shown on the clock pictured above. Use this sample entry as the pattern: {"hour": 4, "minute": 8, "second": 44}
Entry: {"hour": 3, "minute": 45, "second": 27}
